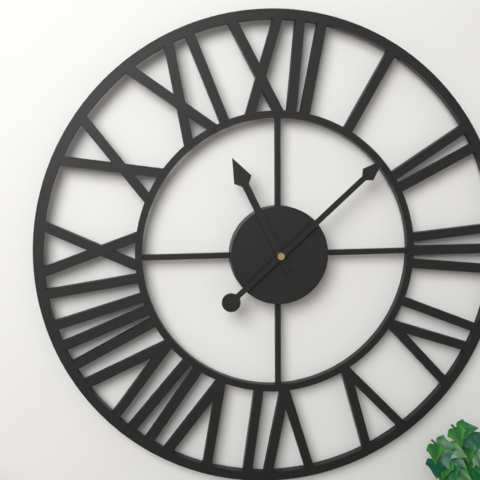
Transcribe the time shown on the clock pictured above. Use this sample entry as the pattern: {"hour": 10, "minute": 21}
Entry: {"hour": 11, "minute": 8}
